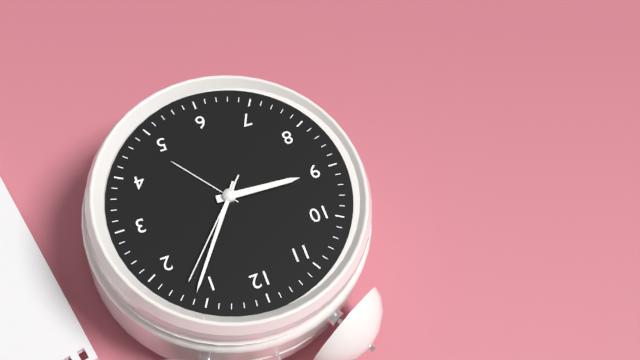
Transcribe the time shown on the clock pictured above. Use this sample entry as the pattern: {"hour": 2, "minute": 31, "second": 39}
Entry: {"hour": 9, "minute": 6, "second": 7}
